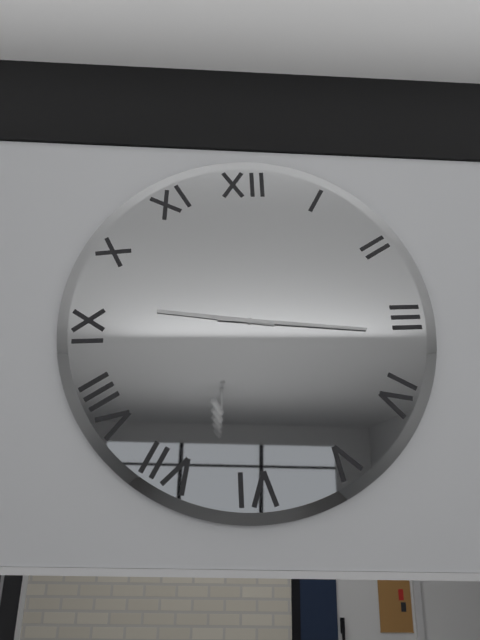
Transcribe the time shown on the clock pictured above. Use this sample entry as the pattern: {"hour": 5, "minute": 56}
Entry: {"hour": 9, "minute": 16}
